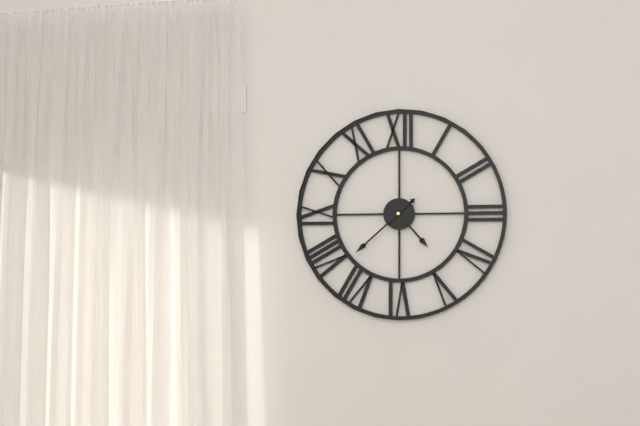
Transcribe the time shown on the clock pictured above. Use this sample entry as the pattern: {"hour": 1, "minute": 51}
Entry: {"hour": 4, "minute": 38}
